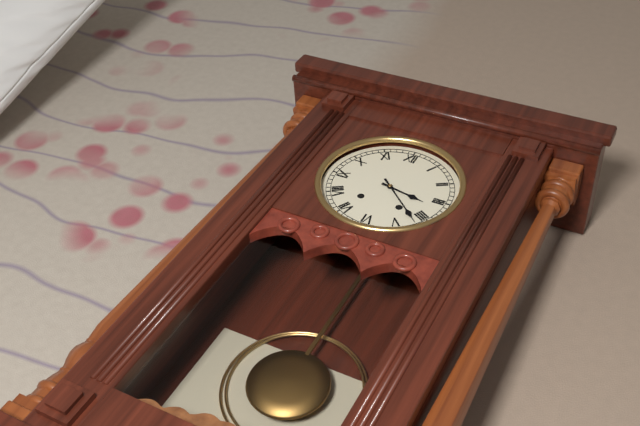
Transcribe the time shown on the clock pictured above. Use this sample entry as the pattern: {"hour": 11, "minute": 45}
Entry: {"hour": 3, "minute": 22}
